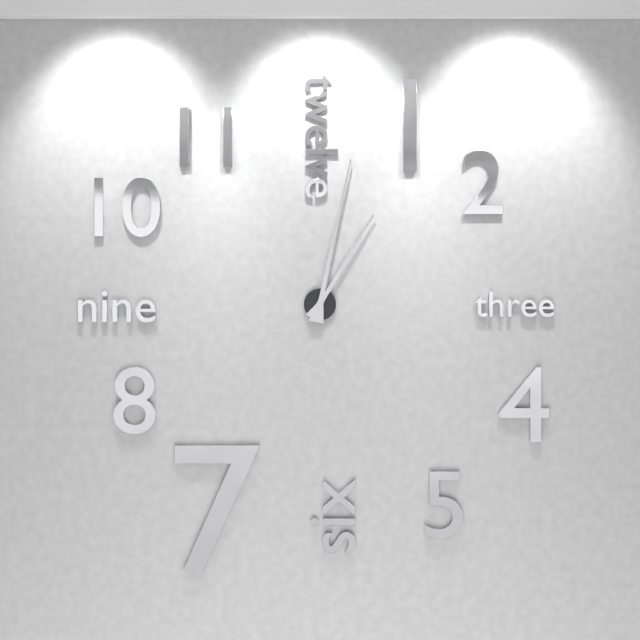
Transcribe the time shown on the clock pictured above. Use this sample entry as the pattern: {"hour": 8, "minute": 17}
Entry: {"hour": 1, "minute": 2}
